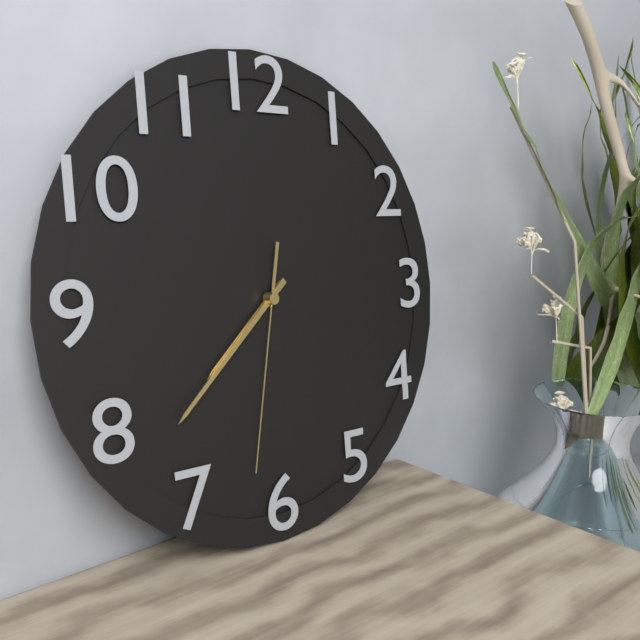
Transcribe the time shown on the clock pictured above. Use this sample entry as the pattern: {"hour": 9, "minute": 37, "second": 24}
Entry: {"hour": 7, "minute": 38, "second": 32}
